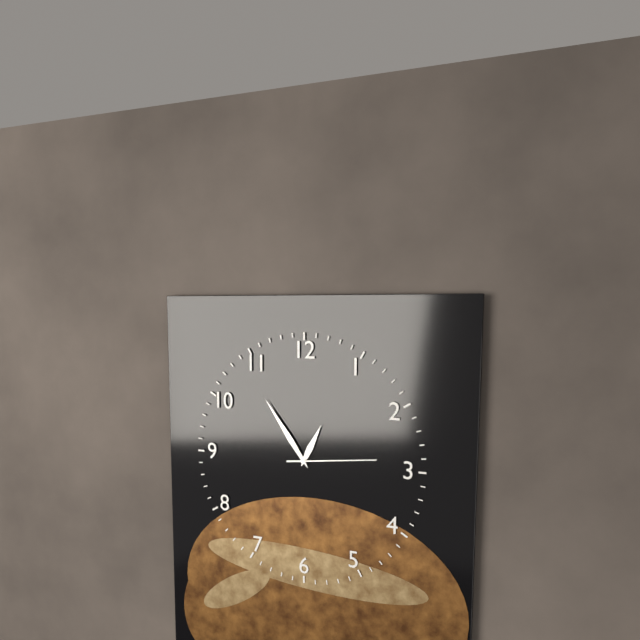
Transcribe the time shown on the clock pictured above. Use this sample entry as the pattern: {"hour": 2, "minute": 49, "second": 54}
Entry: {"hour": 12, "minute": 54, "second": 14}
